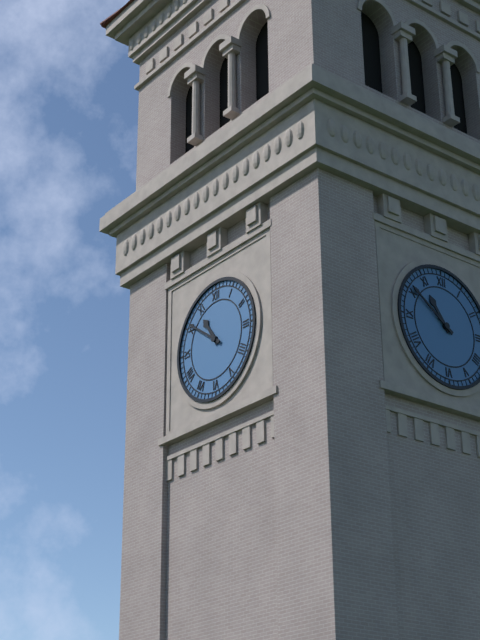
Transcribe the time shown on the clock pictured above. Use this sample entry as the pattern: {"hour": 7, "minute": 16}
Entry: {"hour": 10, "minute": 51}
